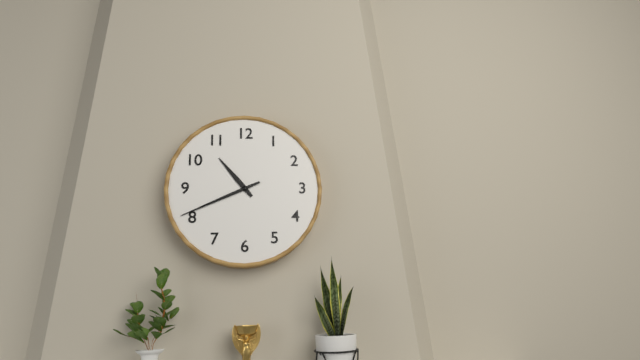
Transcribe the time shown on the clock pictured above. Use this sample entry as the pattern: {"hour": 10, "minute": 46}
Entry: {"hour": 10, "minute": 41}
